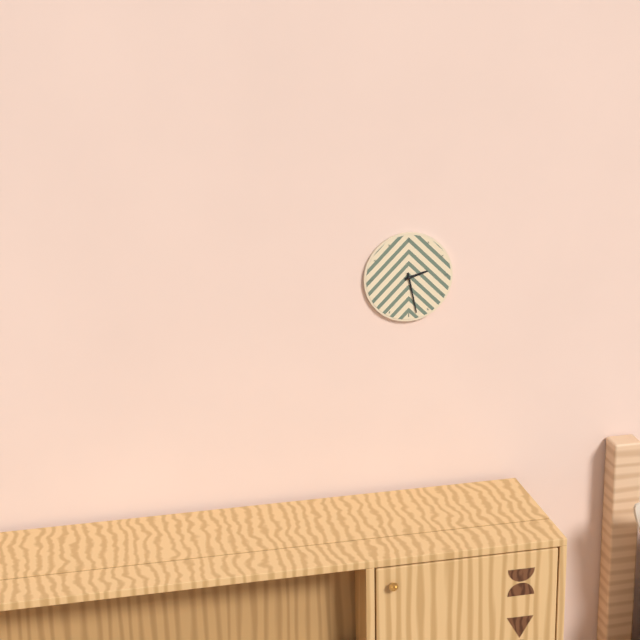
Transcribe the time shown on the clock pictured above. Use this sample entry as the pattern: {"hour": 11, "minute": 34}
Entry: {"hour": 2, "minute": 28}
